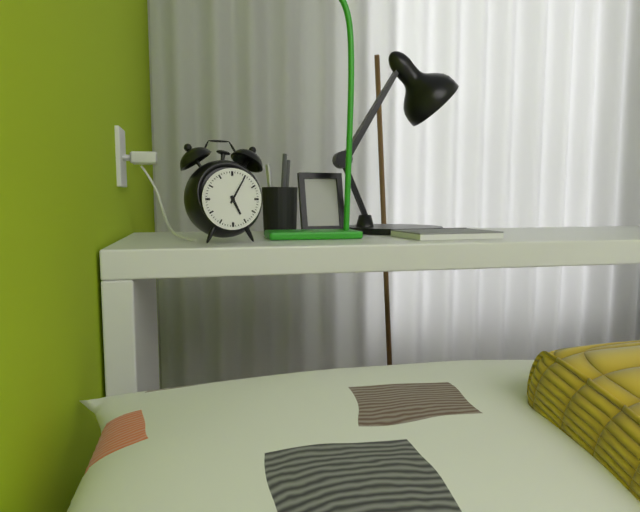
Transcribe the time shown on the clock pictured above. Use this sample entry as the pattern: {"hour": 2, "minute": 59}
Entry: {"hour": 5, "minute": 5}
